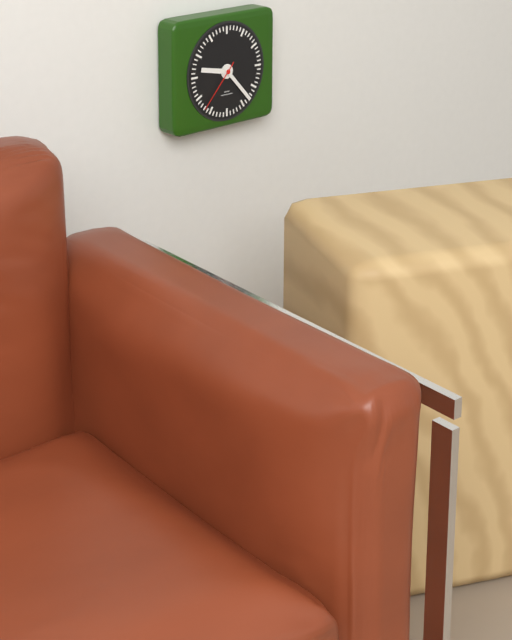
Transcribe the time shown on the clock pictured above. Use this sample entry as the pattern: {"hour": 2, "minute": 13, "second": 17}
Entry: {"hour": 9, "minute": 23, "second": 37}
